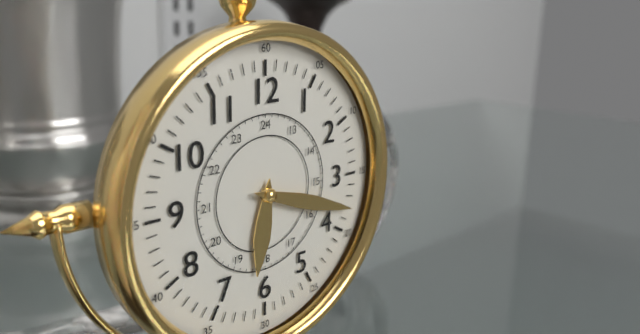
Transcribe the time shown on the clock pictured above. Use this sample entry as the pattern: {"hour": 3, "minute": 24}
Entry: {"hour": 6, "minute": 18}
